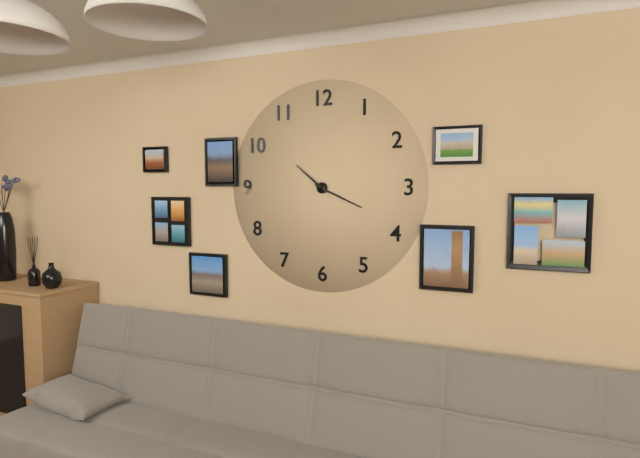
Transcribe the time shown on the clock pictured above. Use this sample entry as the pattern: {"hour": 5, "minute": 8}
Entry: {"hour": 10, "minute": 19}
